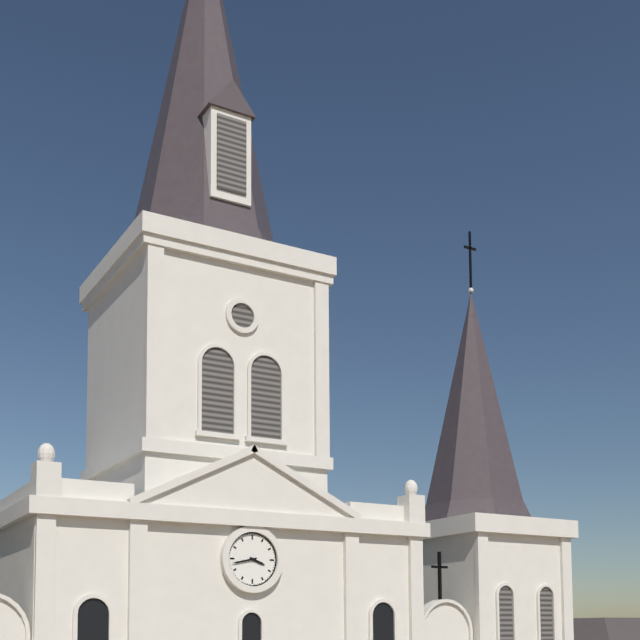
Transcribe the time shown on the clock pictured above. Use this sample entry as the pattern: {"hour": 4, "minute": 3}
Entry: {"hour": 3, "minute": 43}
